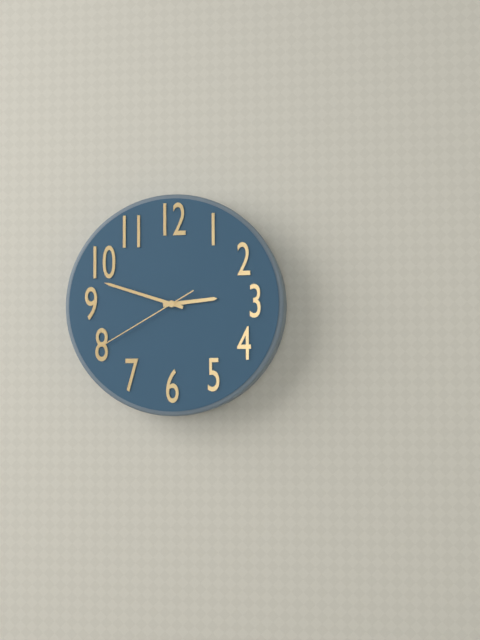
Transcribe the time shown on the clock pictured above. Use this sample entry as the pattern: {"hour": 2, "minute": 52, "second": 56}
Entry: {"hour": 2, "minute": 48, "second": 40}
